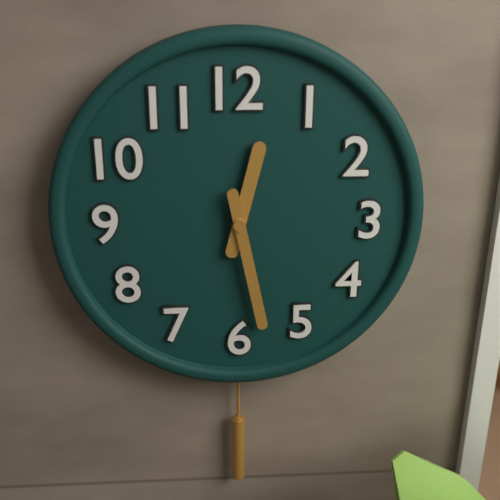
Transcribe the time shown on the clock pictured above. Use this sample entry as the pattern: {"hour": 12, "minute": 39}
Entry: {"hour": 12, "minute": 28}
